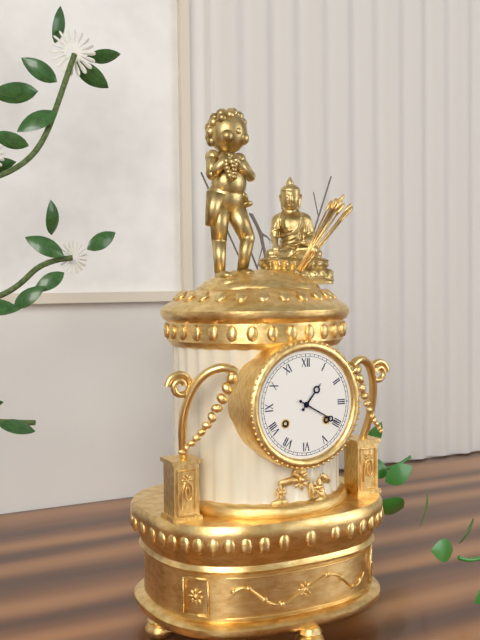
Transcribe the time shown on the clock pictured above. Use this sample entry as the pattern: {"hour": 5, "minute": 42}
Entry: {"hour": 1, "minute": 20}
